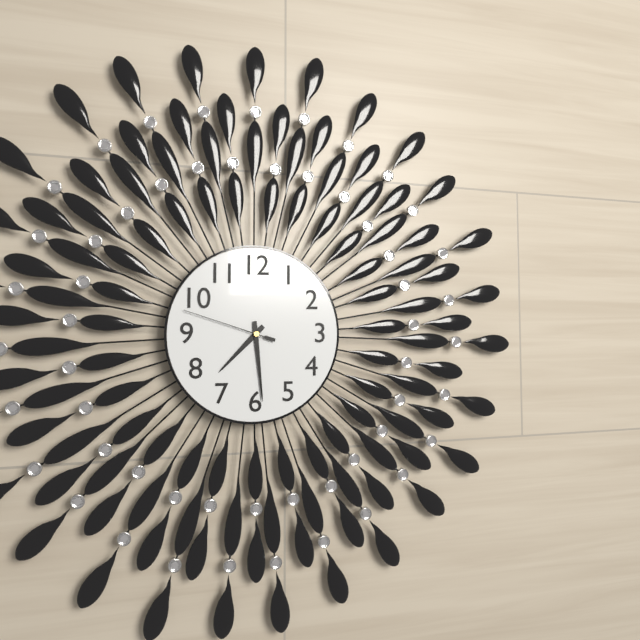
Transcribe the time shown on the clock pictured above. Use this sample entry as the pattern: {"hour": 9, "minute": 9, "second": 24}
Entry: {"hour": 7, "minute": 29, "second": 48}
